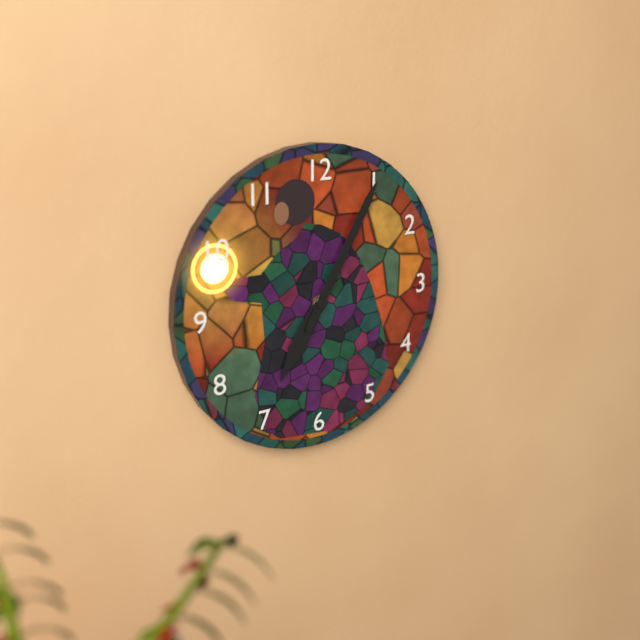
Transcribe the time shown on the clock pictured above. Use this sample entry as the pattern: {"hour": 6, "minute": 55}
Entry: {"hour": 7, "minute": 5}
